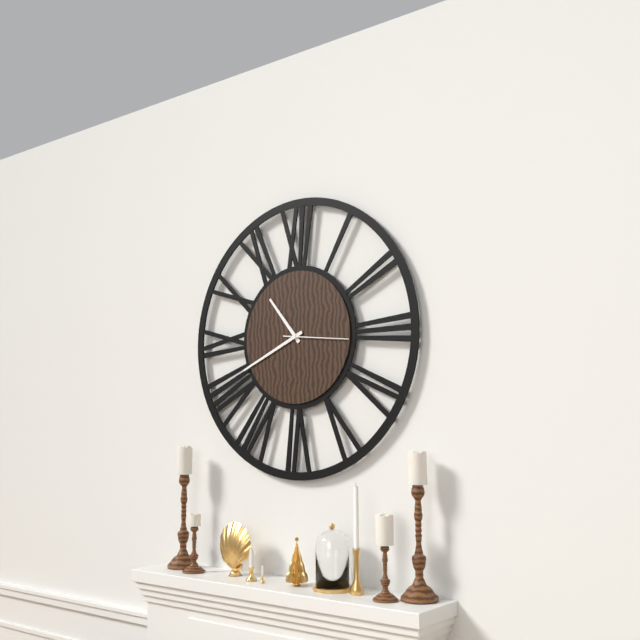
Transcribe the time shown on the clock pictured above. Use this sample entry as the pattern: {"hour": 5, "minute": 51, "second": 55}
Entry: {"hour": 10, "minute": 41, "second": 16}
